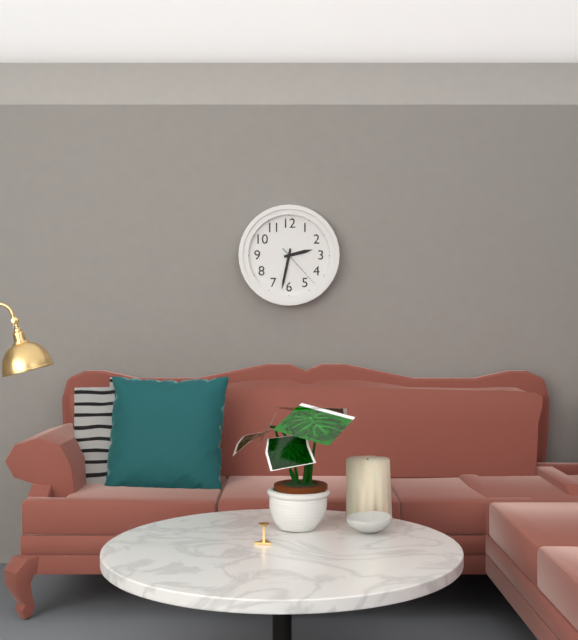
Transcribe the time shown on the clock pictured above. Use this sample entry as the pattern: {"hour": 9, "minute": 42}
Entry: {"hour": 2, "minute": 32}
